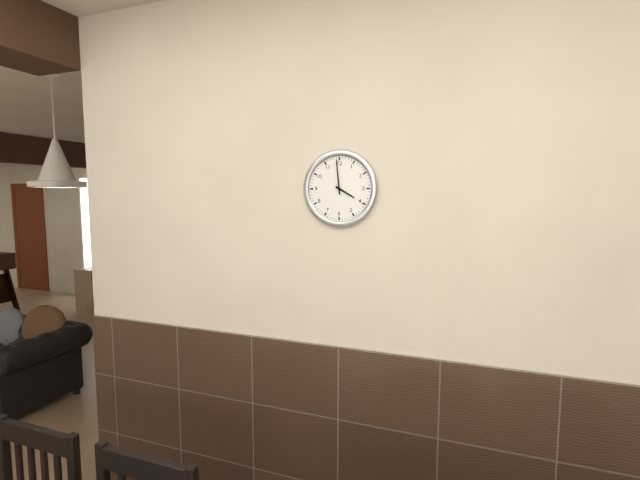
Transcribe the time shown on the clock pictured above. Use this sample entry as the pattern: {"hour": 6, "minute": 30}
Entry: {"hour": 3, "minute": 59}
